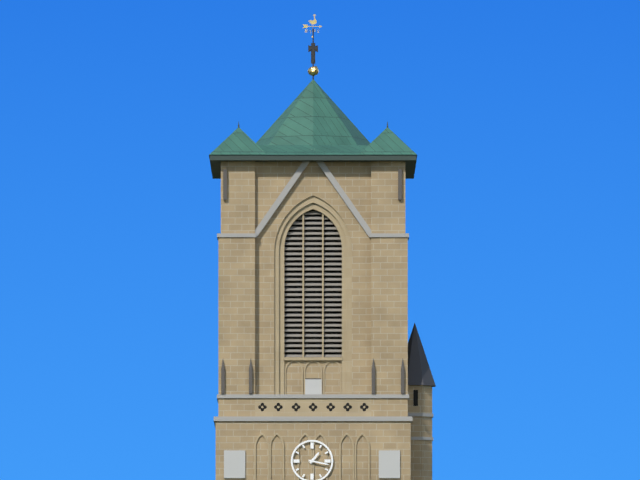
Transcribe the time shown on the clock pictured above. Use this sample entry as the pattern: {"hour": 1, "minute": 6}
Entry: {"hour": 1, "minute": 17}
